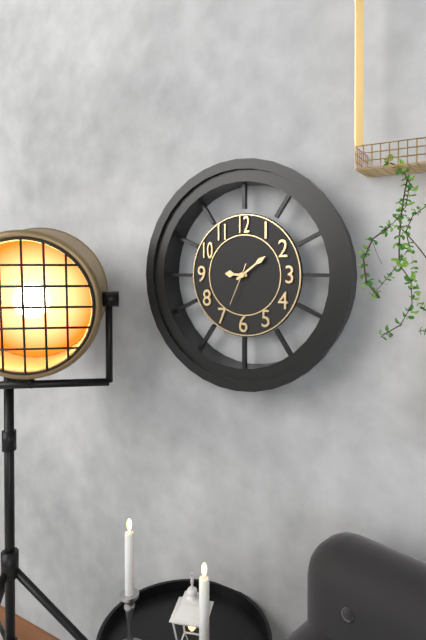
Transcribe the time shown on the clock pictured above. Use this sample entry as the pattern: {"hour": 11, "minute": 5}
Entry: {"hour": 9, "minute": 9}
